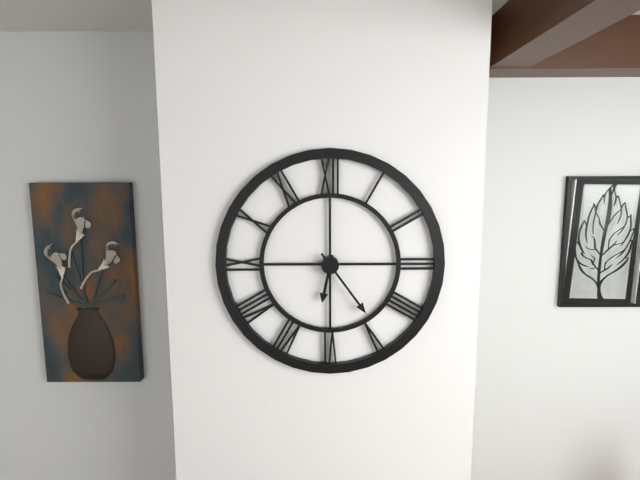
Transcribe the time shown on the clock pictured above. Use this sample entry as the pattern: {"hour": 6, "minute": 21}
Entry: {"hour": 6, "minute": 24}
